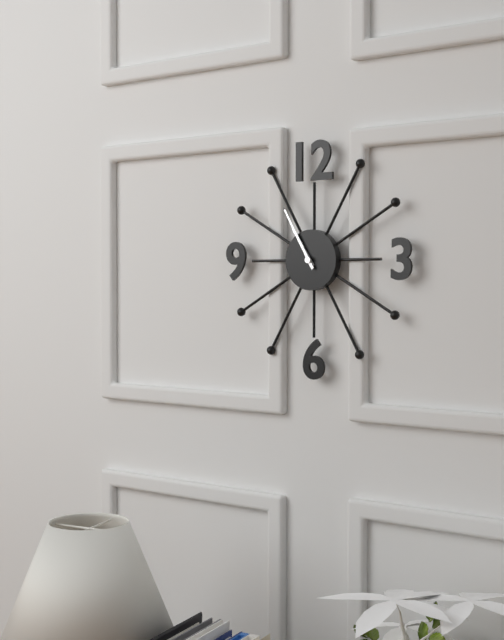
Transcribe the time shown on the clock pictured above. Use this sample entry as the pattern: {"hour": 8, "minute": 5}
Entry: {"hour": 10, "minute": 55}
